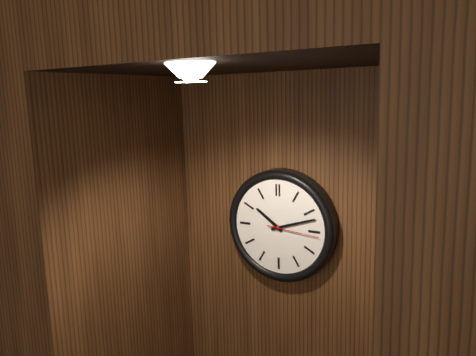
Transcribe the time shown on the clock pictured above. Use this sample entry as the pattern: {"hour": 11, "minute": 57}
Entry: {"hour": 10, "minute": 12}
